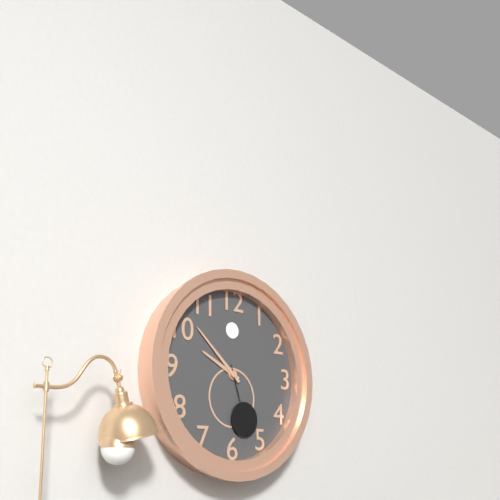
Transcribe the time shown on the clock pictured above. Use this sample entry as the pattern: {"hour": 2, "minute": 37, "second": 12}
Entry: {"hour": 9, "minute": 52, "second": 27}
